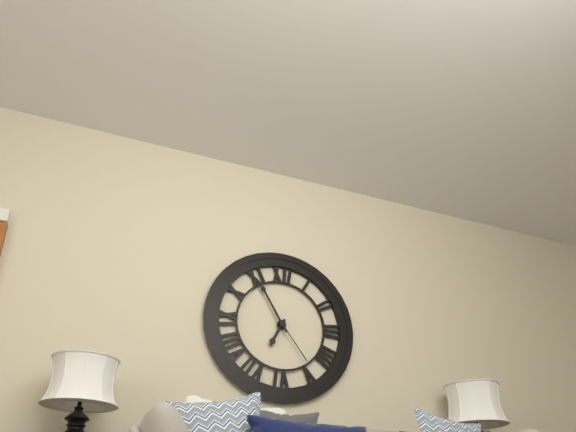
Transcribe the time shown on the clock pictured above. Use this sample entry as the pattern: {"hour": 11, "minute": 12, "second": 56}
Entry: {"hour": 6, "minute": 55, "second": 24}
